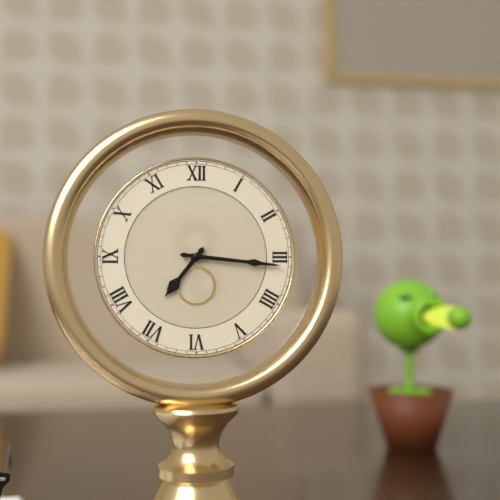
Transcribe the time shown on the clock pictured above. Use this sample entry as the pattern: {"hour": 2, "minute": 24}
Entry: {"hour": 7, "minute": 16}
